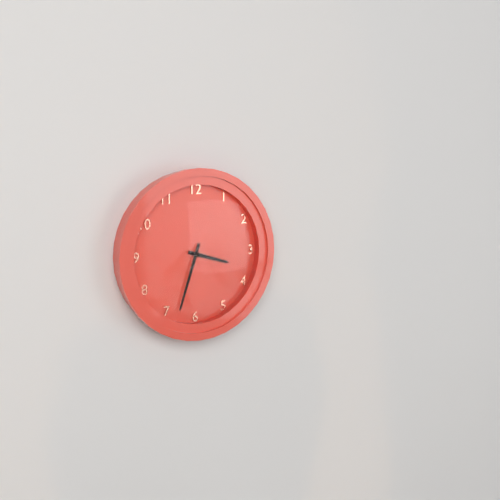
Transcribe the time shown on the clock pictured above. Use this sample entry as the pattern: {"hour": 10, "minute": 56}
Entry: {"hour": 3, "minute": 33}
